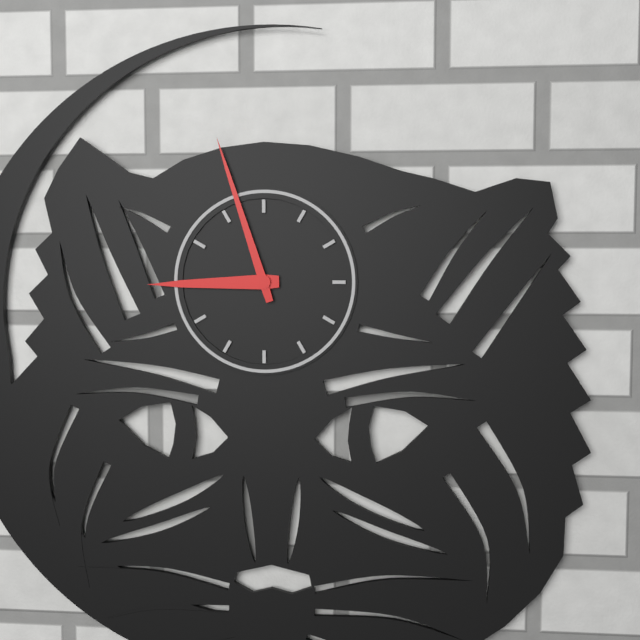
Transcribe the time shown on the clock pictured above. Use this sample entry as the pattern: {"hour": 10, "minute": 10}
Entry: {"hour": 8, "minute": 57}
